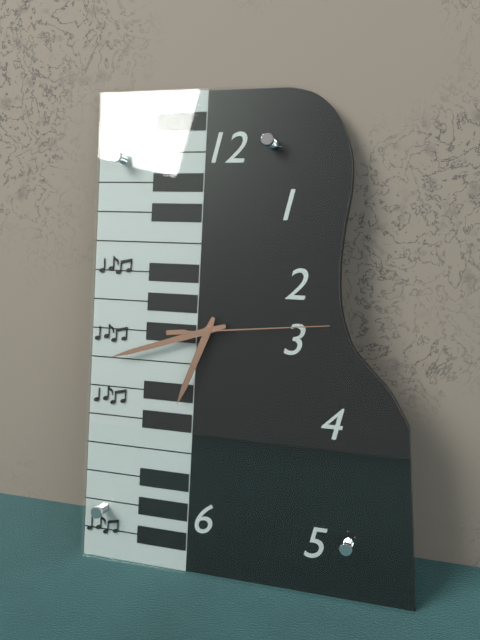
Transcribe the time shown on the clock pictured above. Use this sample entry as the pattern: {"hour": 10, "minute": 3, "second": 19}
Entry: {"hour": 6, "minute": 42, "second": 14}
